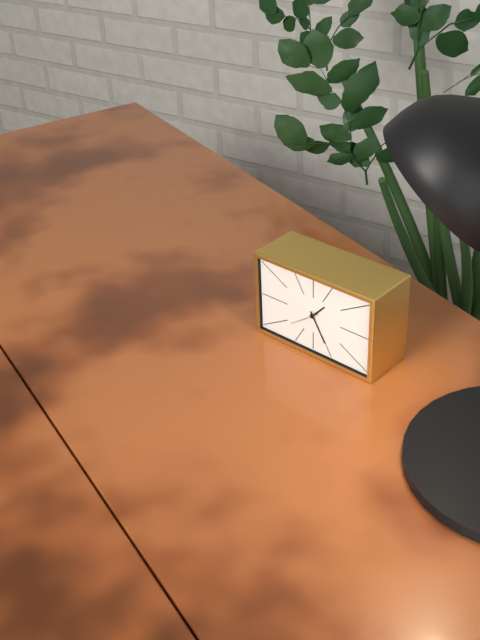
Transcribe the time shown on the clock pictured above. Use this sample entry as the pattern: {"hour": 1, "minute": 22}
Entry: {"hour": 1, "minute": 25}
